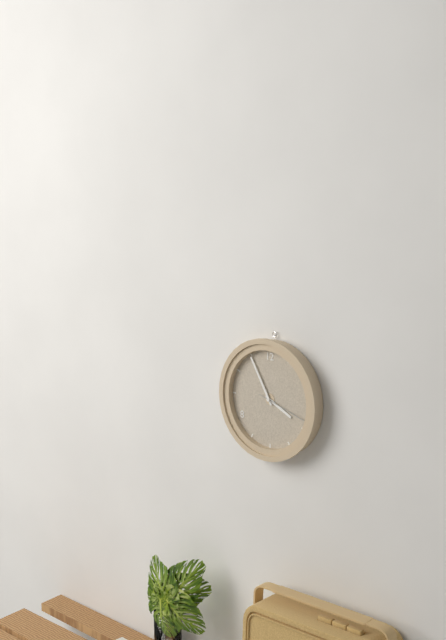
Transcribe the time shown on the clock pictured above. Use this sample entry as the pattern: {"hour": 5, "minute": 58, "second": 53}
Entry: {"hour": 3, "minute": 55, "second": 18}
